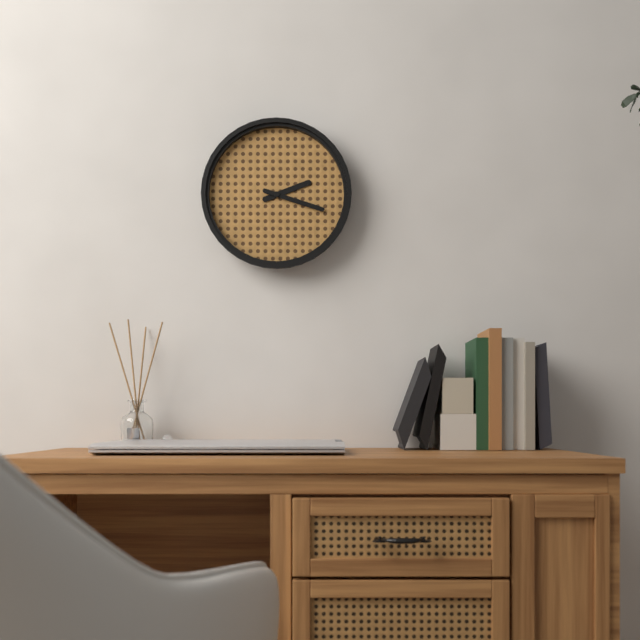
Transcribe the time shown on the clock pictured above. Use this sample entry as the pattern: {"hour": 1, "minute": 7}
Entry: {"hour": 2, "minute": 18}
